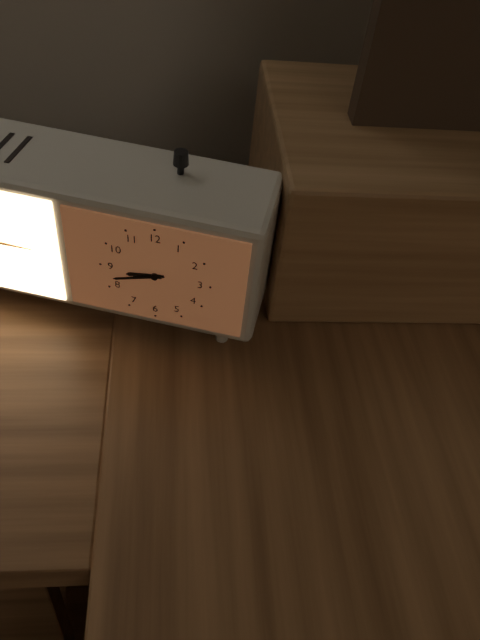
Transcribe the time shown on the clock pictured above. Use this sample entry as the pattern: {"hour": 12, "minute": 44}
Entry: {"hour": 8, "minute": 42}
